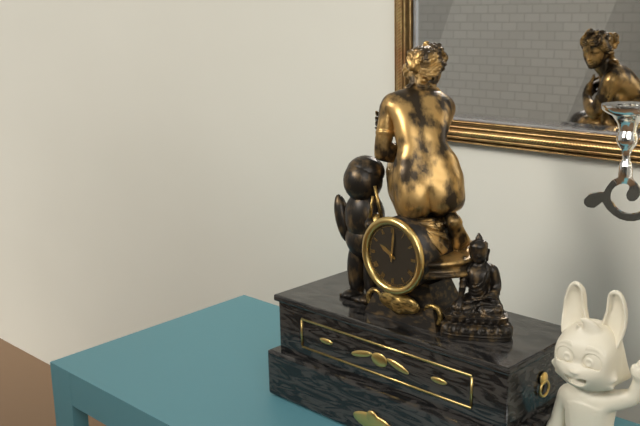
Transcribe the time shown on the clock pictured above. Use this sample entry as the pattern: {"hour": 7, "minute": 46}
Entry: {"hour": 10, "minute": 1}
